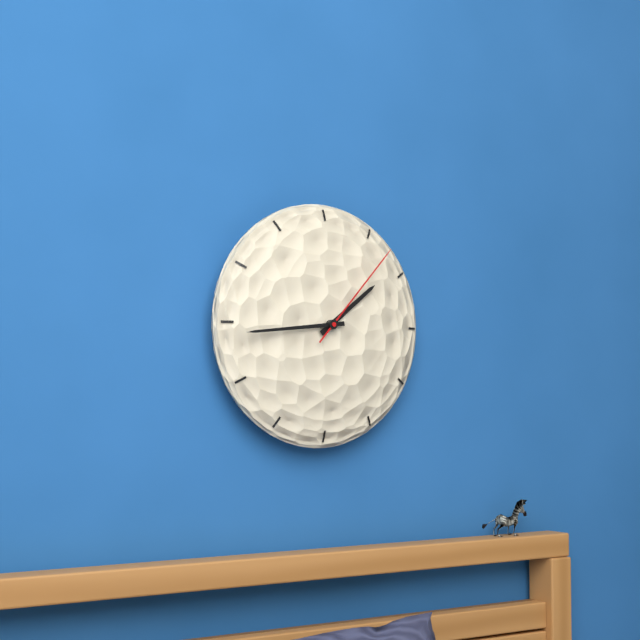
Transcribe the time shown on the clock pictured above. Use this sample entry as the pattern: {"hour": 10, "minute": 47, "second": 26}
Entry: {"hour": 1, "minute": 44, "second": 7}
